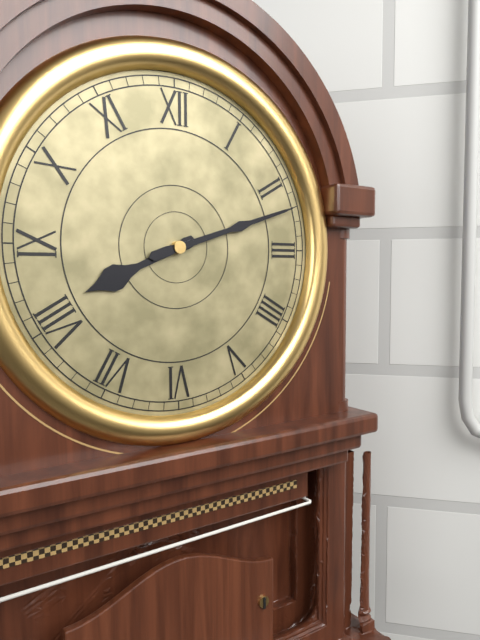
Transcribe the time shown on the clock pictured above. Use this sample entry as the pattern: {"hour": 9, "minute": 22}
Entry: {"hour": 8, "minute": 12}
